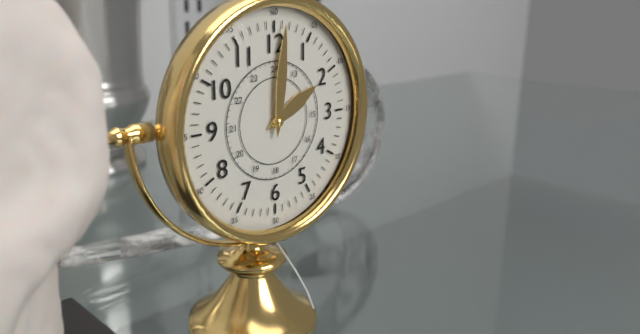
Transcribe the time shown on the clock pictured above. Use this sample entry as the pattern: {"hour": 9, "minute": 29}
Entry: {"hour": 2, "minute": 1}
